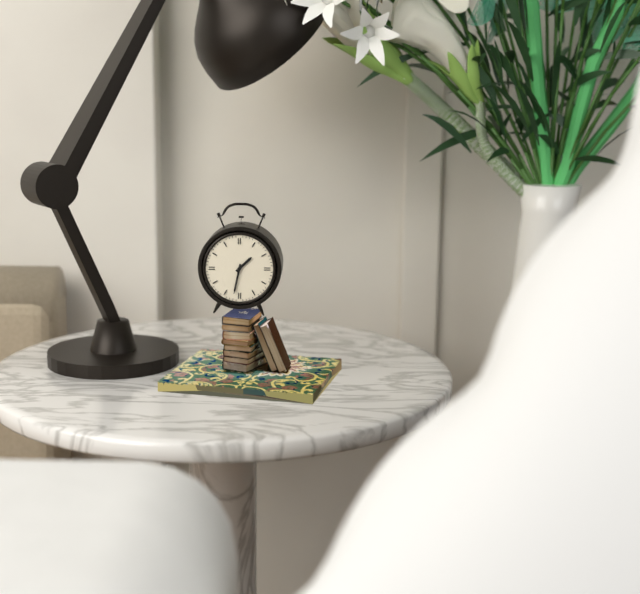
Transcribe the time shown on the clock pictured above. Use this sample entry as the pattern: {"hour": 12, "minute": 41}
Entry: {"hour": 1, "minute": 32}
